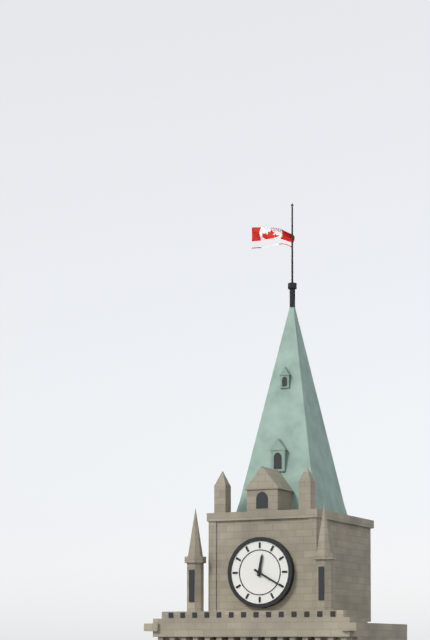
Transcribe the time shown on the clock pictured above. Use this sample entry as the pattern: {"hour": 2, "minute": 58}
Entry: {"hour": 12, "minute": 20}
